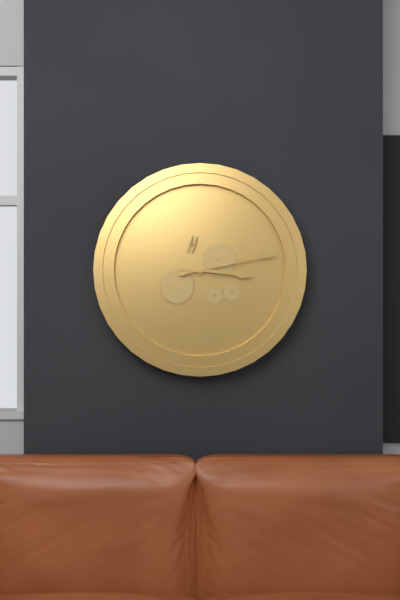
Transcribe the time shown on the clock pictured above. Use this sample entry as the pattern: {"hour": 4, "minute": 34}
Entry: {"hour": 3, "minute": 13}
